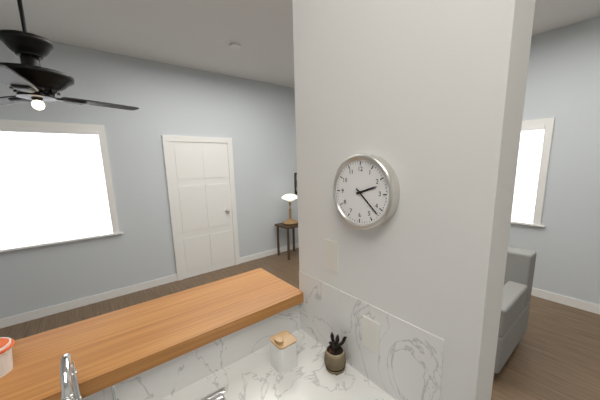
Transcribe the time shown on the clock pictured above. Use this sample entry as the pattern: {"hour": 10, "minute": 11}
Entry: {"hour": 2, "minute": 22}
